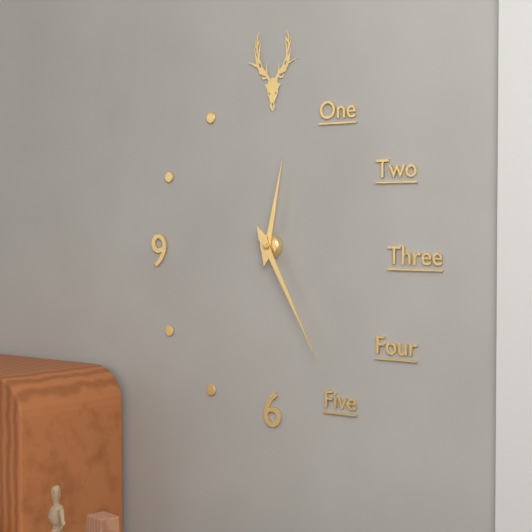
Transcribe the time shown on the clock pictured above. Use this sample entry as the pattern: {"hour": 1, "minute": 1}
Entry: {"hour": 12, "minute": 25}
